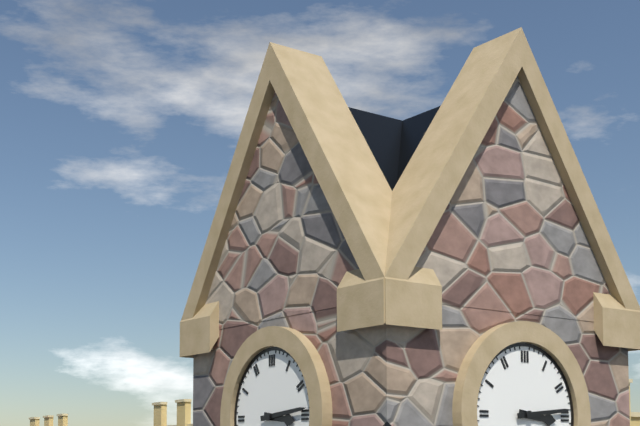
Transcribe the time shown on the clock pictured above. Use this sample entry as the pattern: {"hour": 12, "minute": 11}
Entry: {"hour": 3, "minute": 14}
